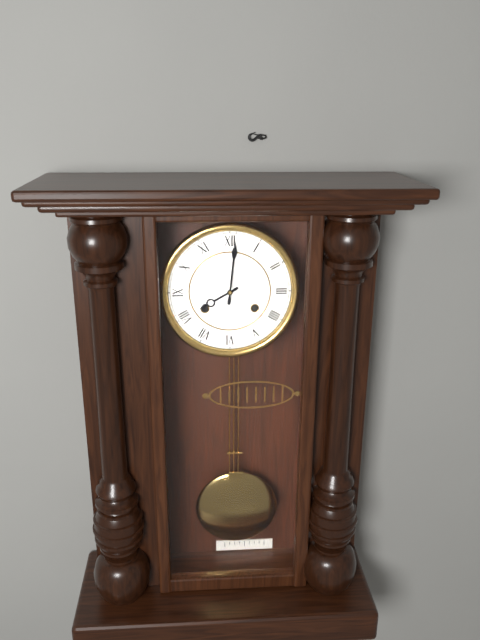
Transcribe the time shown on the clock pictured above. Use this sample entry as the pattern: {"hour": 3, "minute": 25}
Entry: {"hour": 8, "minute": 1}
